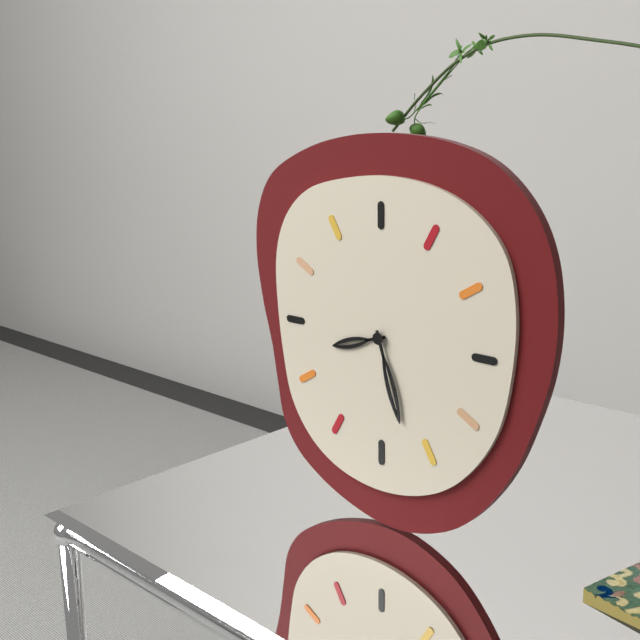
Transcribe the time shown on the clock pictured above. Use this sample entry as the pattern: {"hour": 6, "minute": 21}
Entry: {"hour": 8, "minute": 27}
